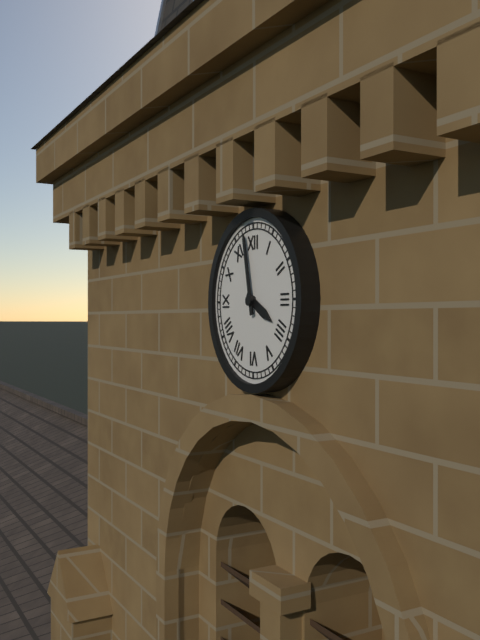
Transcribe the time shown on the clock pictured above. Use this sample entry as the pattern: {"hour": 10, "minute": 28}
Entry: {"hour": 3, "minute": 58}
